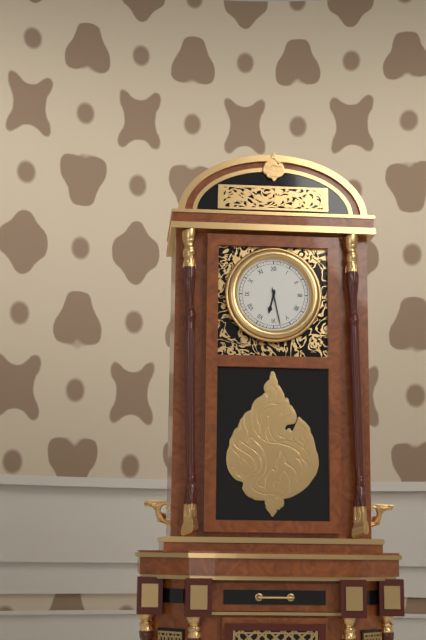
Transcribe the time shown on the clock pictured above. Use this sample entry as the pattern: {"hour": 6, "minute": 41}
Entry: {"hour": 6, "minute": 28}
